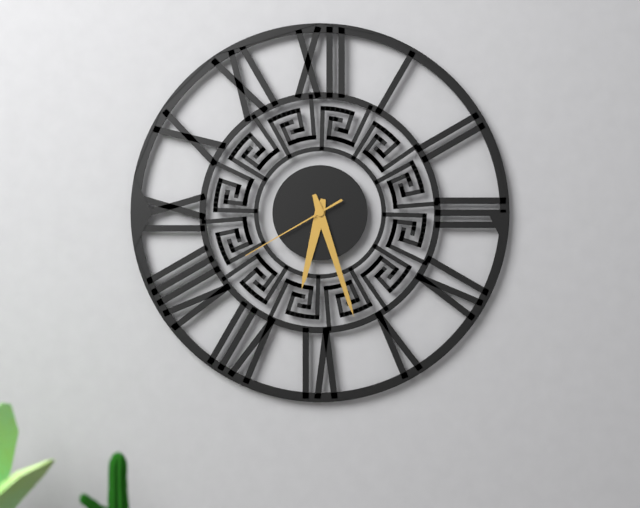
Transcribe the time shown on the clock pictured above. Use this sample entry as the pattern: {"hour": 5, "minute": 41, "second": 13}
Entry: {"hour": 6, "minute": 27, "second": 40}
